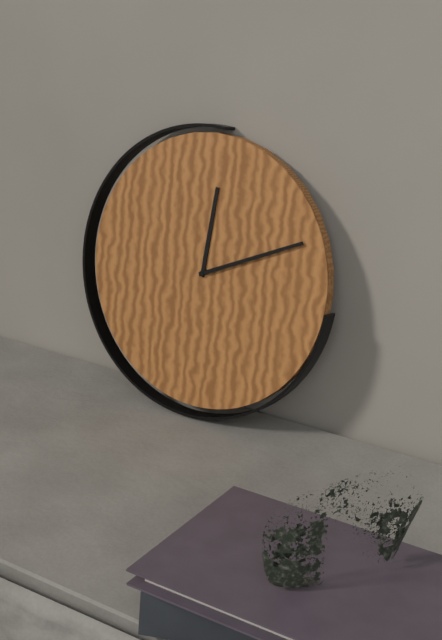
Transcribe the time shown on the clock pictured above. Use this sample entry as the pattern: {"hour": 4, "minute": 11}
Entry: {"hour": 12, "minute": 11}
